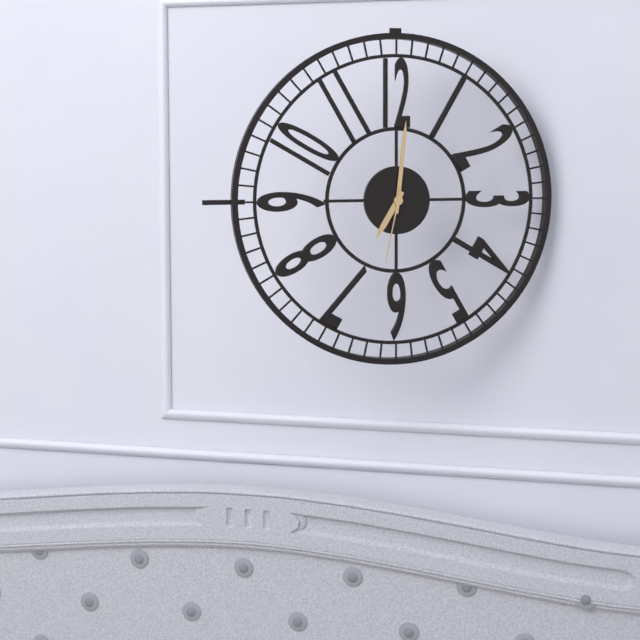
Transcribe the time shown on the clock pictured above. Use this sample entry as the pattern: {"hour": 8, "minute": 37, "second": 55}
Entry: {"hour": 7, "minute": 1, "second": 32}
